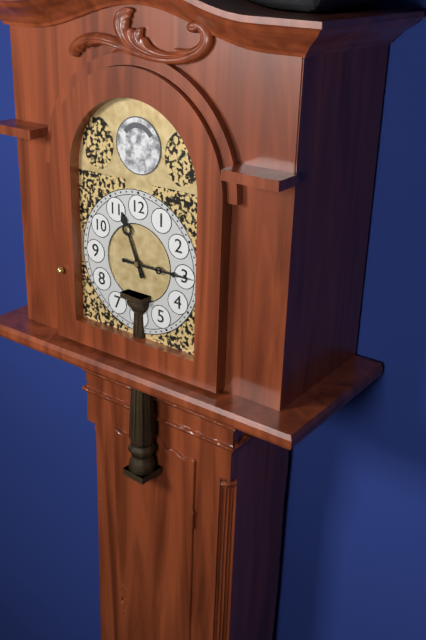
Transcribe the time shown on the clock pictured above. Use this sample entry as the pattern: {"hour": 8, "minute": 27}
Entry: {"hour": 11, "minute": 15}
